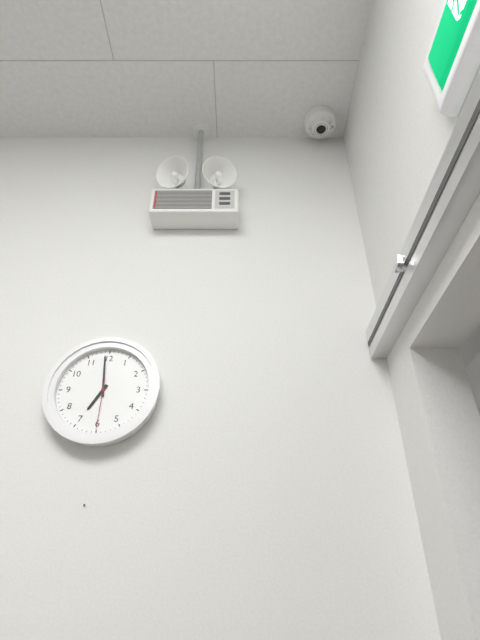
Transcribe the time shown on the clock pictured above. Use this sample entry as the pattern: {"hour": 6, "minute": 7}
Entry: {"hour": 6, "minute": 59}
